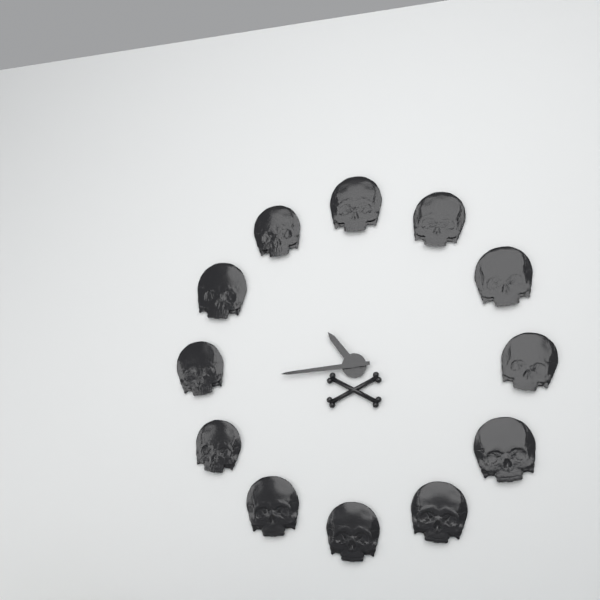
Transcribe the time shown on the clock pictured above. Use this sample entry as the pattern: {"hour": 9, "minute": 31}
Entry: {"hour": 10, "minute": 44}
